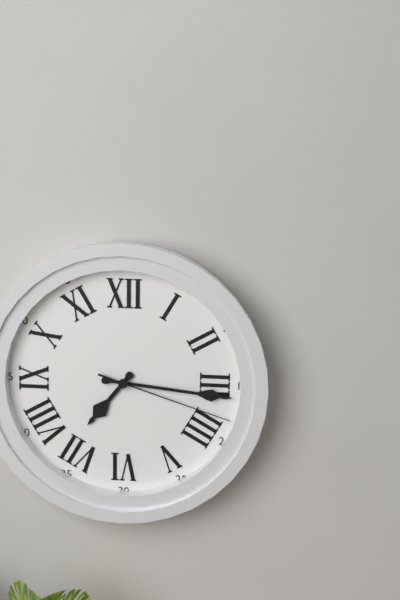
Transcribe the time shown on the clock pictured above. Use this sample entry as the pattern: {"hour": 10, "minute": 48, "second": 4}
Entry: {"hour": 7, "minute": 16, "second": 18}
